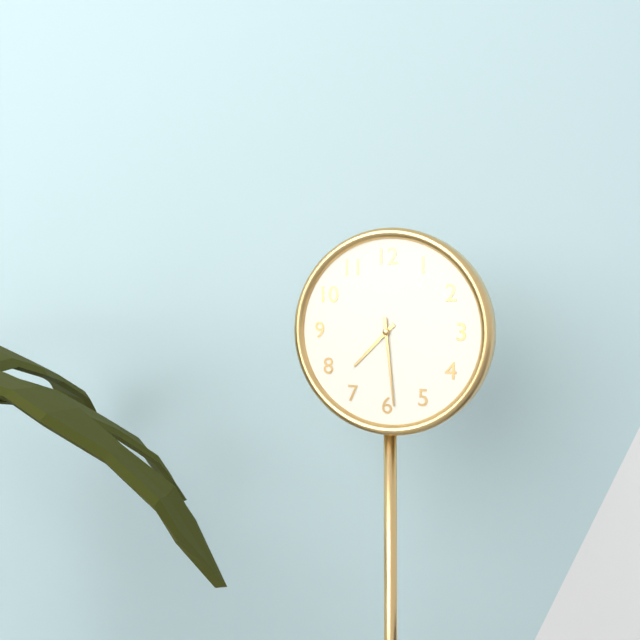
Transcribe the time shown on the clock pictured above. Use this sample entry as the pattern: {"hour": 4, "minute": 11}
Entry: {"hour": 7, "minute": 29}
